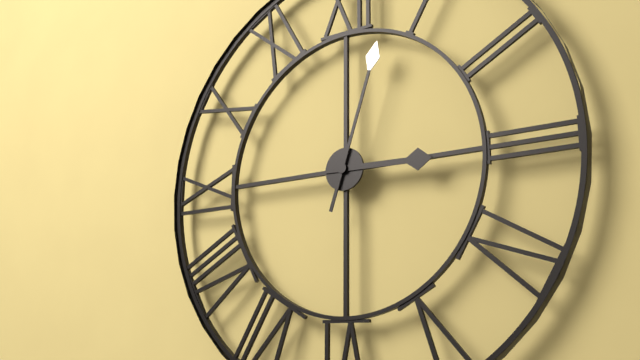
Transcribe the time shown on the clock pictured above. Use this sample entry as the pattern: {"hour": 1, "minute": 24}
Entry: {"hour": 3, "minute": 3}
